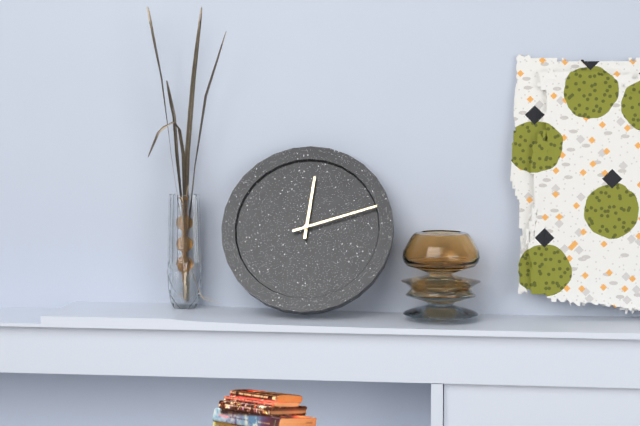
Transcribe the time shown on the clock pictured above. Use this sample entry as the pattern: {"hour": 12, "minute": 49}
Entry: {"hour": 12, "minute": 12}
